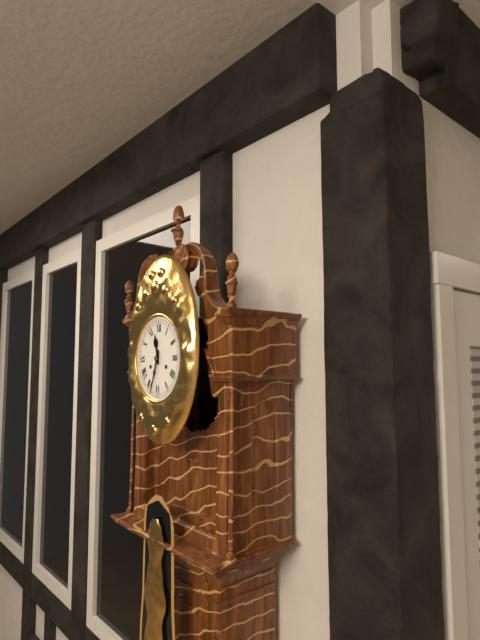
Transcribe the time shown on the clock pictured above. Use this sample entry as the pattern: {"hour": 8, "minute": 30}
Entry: {"hour": 11, "minute": 33}
